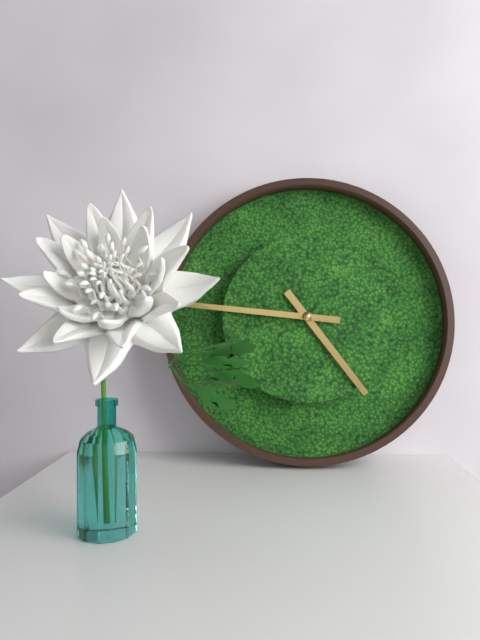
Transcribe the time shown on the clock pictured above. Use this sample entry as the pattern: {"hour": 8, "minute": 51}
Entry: {"hour": 4, "minute": 46}
